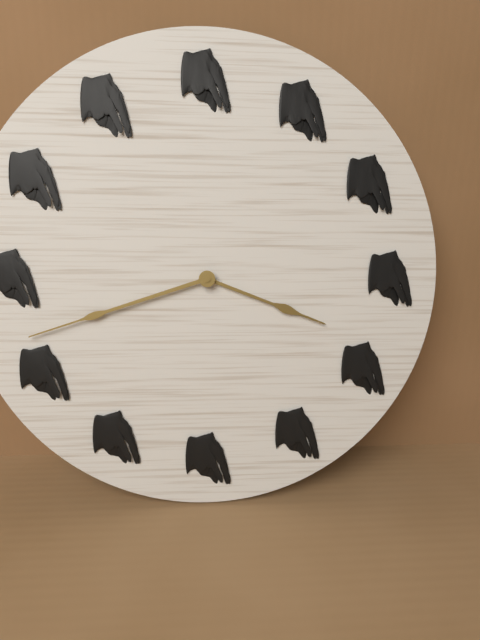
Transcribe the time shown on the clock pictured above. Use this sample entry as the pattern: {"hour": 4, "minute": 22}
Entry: {"hour": 3, "minute": 42}
